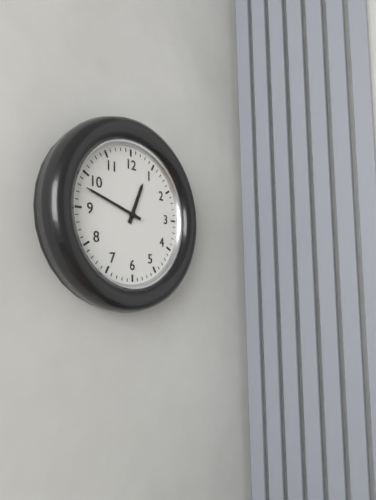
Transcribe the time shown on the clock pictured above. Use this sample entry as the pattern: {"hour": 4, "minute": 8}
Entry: {"hour": 12, "minute": 48}
